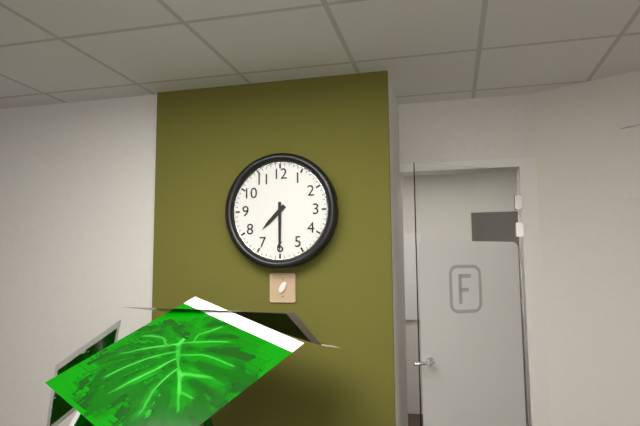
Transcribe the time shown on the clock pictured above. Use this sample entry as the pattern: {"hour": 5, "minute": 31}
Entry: {"hour": 7, "minute": 30}
